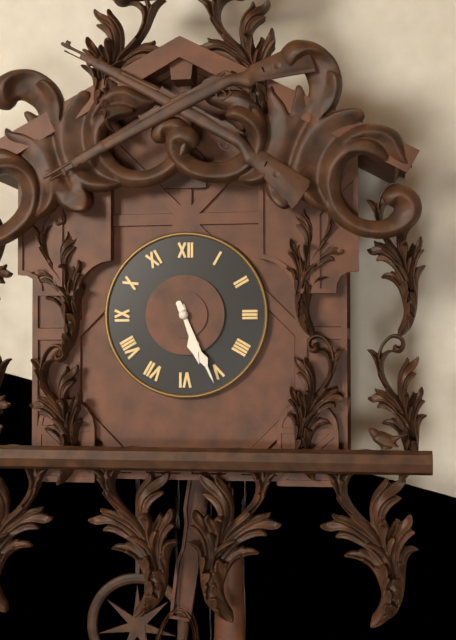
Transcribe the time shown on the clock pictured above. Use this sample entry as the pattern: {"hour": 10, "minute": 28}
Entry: {"hour": 5, "minute": 26}
